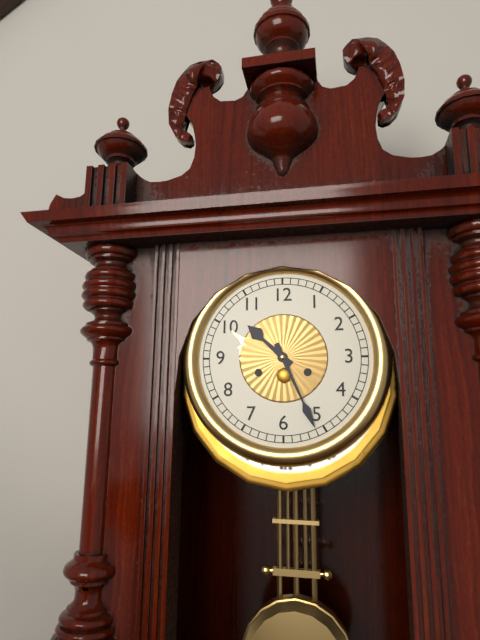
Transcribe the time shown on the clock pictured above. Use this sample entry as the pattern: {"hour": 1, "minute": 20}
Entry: {"hour": 10, "minute": 26}
